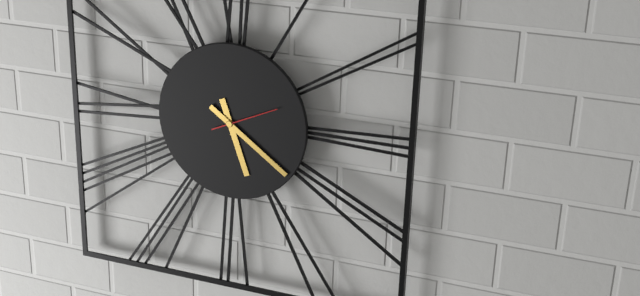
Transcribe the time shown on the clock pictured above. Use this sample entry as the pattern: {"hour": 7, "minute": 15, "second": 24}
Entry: {"hour": 5, "minute": 21, "second": 11}
